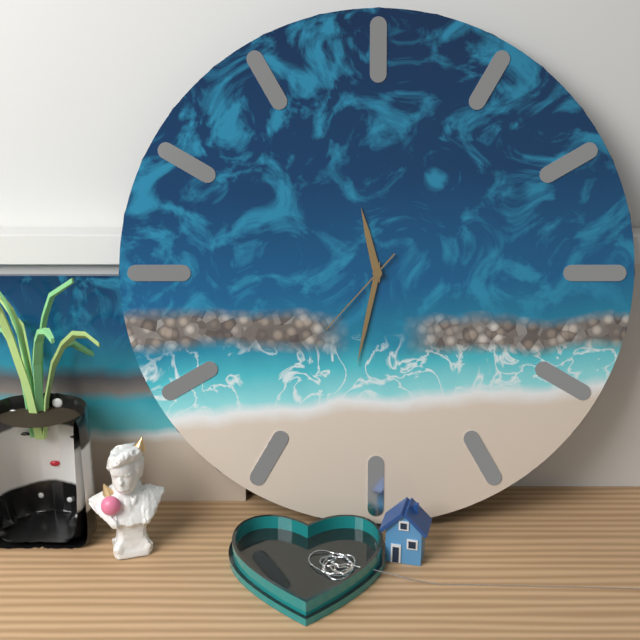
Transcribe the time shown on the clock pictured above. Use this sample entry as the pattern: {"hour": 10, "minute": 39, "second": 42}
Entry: {"hour": 11, "minute": 32, "second": 37}
